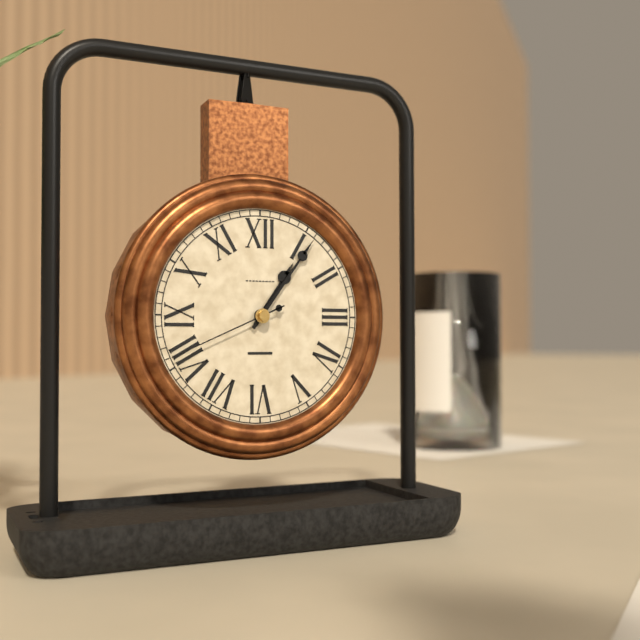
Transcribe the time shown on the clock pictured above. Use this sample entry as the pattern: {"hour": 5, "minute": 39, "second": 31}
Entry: {"hour": 1, "minute": 6, "second": 41}
